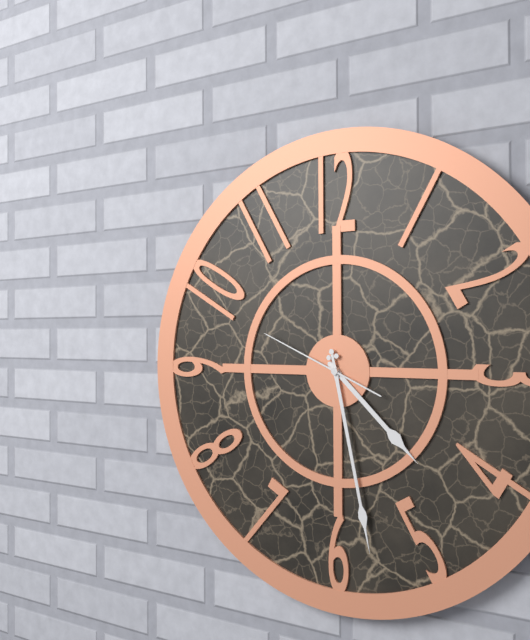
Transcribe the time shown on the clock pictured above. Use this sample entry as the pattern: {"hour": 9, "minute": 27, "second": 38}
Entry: {"hour": 4, "minute": 28, "second": 49}
